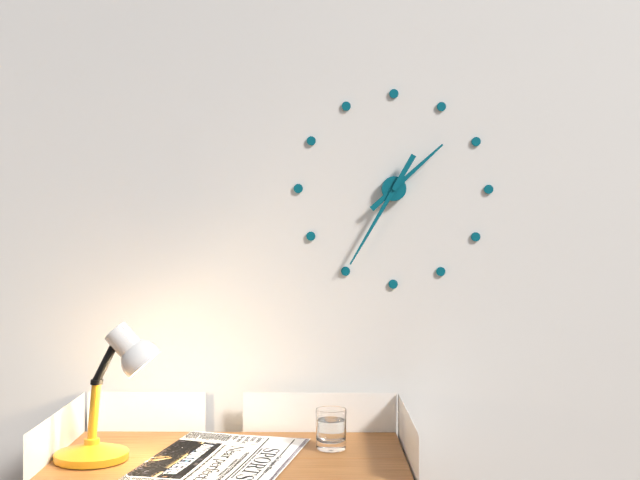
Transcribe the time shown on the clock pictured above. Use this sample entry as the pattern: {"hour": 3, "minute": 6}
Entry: {"hour": 1, "minute": 35}
